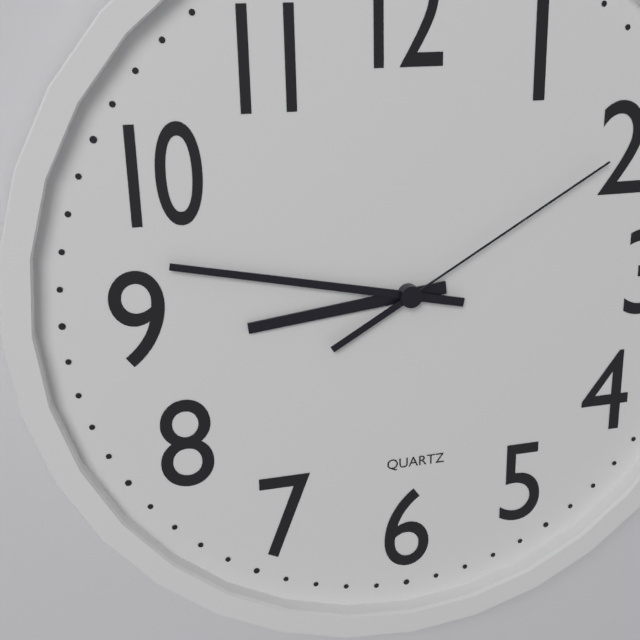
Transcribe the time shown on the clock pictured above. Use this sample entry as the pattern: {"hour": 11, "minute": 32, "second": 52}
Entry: {"hour": 8, "minute": 47, "second": 10}
